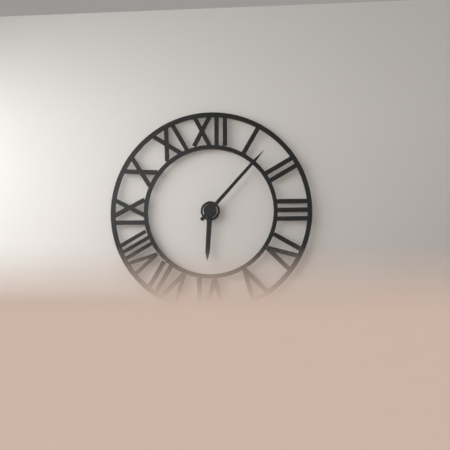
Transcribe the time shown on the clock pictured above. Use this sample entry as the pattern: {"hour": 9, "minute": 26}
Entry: {"hour": 6, "minute": 7}
